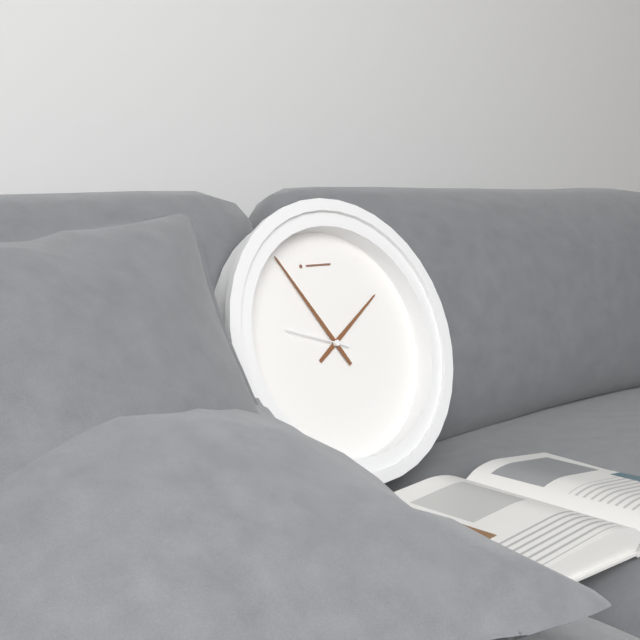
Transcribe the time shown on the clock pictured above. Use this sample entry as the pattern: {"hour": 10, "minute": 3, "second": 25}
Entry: {"hour": 1, "minute": 55, "second": 48}
